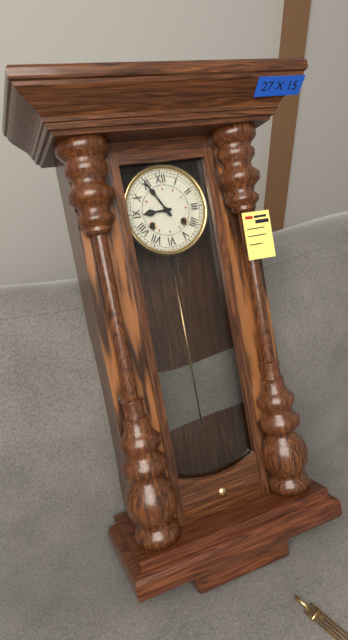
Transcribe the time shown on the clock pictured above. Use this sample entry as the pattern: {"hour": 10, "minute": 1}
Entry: {"hour": 8, "minute": 55}
